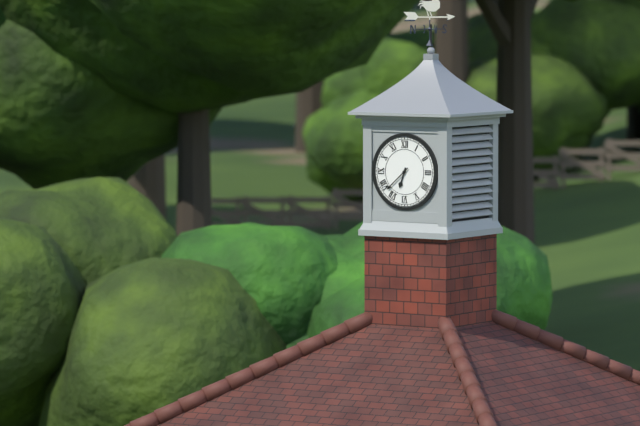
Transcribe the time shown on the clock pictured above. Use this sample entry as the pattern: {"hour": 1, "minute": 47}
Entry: {"hour": 6, "minute": 38}
